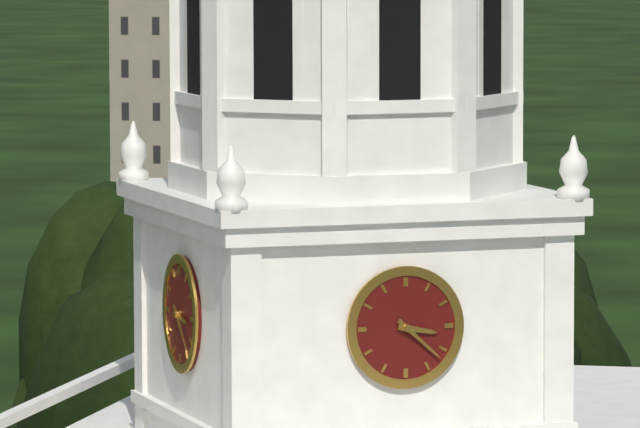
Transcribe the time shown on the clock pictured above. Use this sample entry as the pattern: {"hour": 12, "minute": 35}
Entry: {"hour": 3, "minute": 22}
